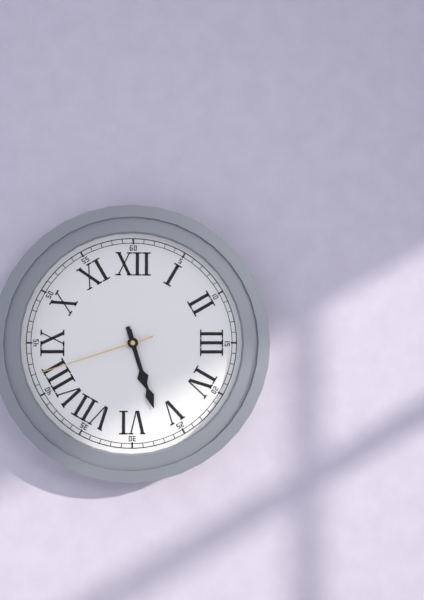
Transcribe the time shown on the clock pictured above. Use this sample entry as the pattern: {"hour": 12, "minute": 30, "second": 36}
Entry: {"hour": 5, "minute": 27, "second": 42}
